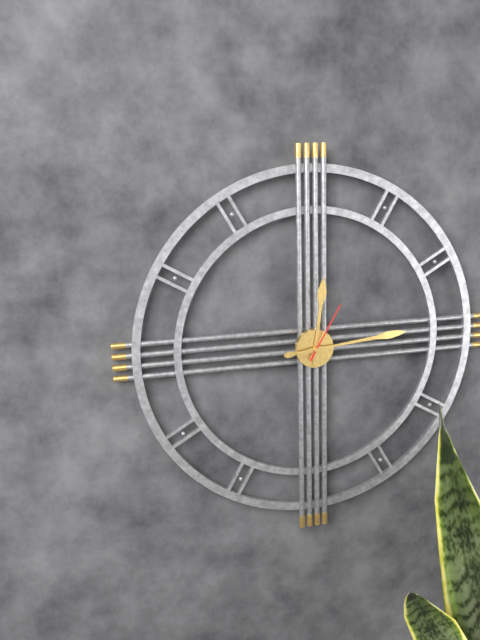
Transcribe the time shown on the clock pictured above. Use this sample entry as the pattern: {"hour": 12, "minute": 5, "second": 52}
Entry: {"hour": 12, "minute": 14, "second": 5}
